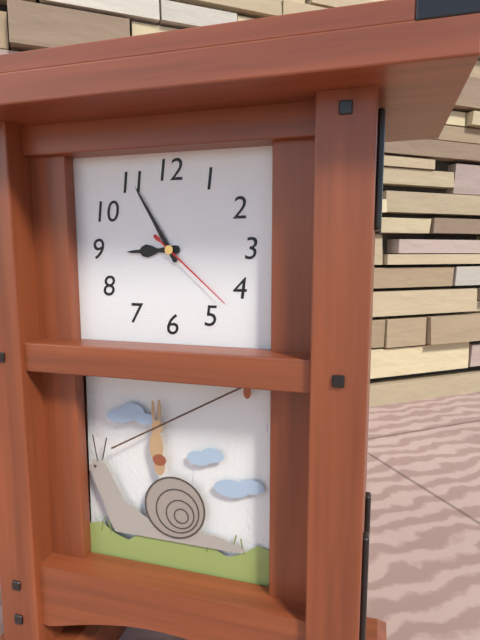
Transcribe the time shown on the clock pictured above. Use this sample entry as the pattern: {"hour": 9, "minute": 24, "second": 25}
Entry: {"hour": 8, "minute": 55, "second": 22}
